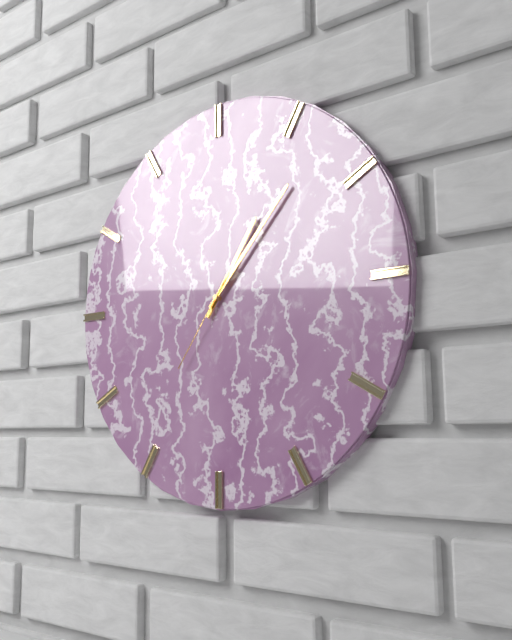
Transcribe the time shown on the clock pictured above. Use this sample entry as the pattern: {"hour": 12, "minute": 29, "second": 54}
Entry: {"hour": 1, "minute": 7, "second": 36}
